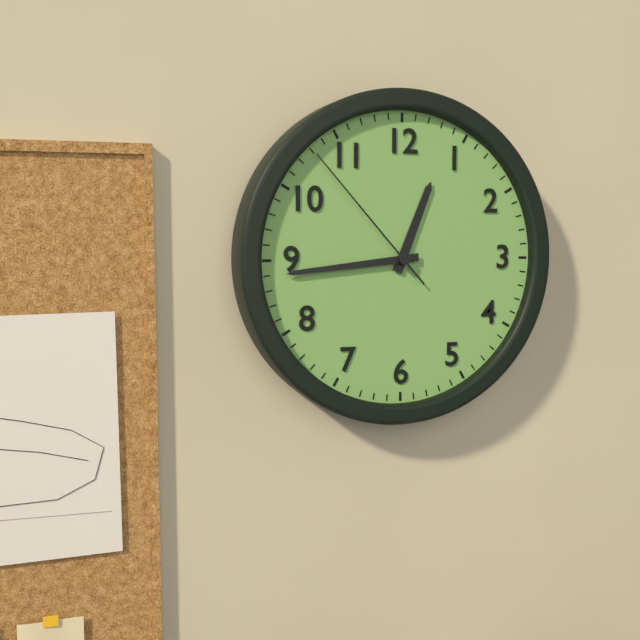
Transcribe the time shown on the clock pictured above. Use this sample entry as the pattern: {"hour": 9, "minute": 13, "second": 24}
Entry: {"hour": 12, "minute": 44, "second": 53}
